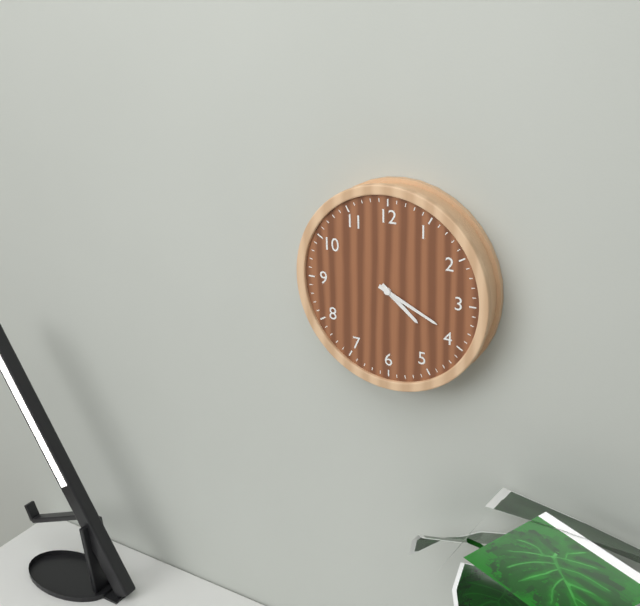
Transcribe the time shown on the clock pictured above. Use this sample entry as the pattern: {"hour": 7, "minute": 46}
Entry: {"hour": 4, "minute": 19}
